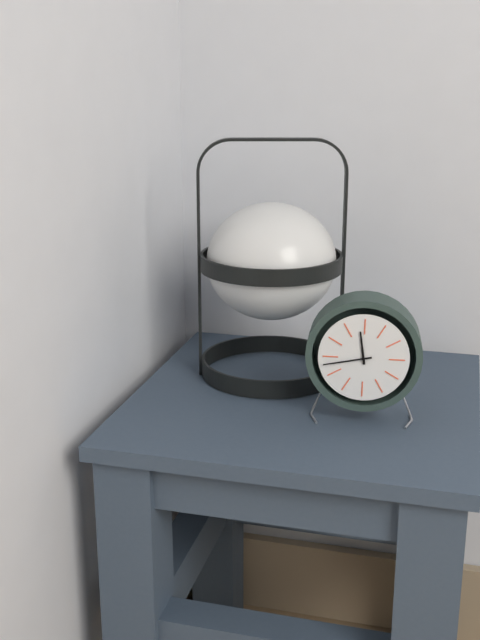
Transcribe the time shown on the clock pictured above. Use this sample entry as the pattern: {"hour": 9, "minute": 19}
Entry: {"hour": 11, "minute": 43}
